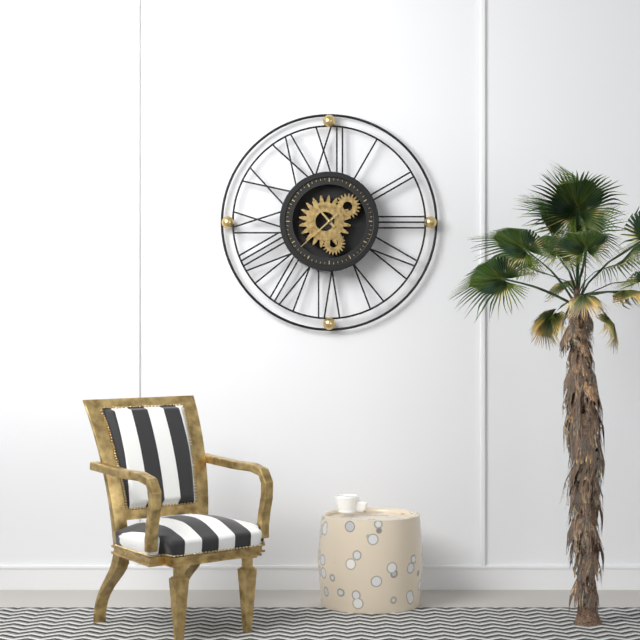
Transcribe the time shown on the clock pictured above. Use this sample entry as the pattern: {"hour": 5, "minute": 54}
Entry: {"hour": 10, "minute": 38}
